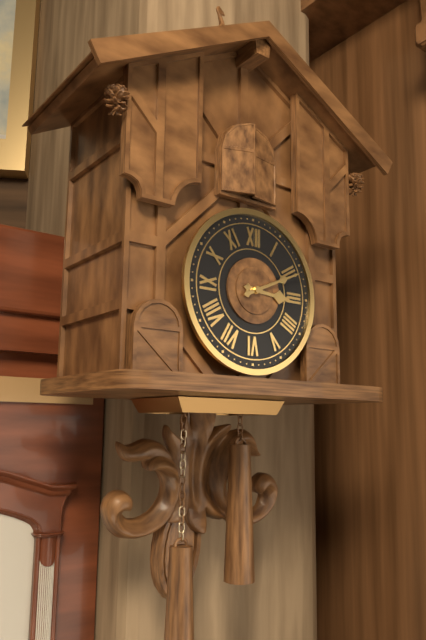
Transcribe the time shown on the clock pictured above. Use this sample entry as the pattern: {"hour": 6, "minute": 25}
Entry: {"hour": 3, "minute": 11}
